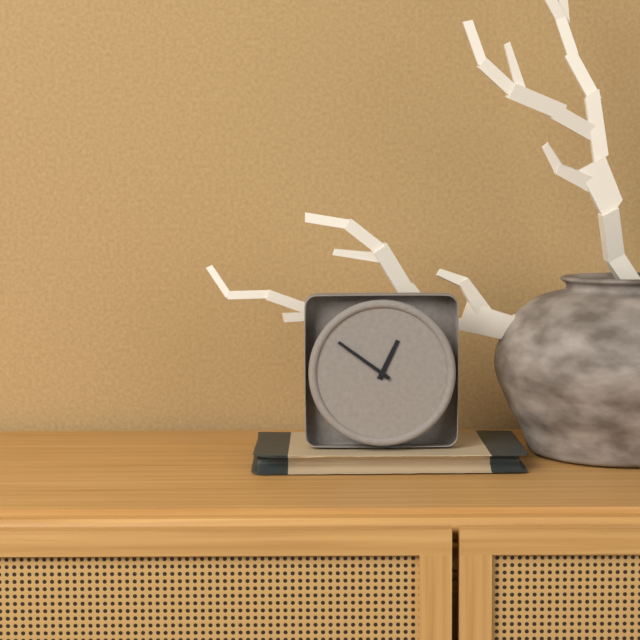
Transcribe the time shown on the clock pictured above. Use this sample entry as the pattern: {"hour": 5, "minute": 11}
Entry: {"hour": 12, "minute": 51}
